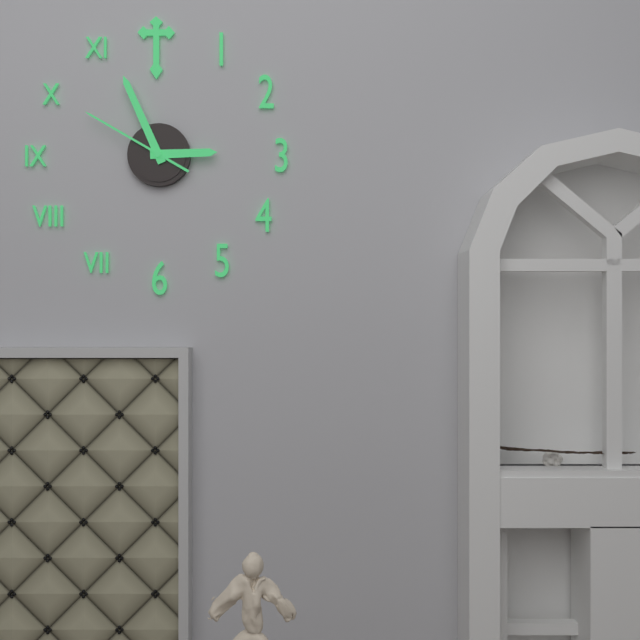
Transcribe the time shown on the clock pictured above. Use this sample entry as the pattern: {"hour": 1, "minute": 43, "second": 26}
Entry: {"hour": 2, "minute": 56, "second": 50}
